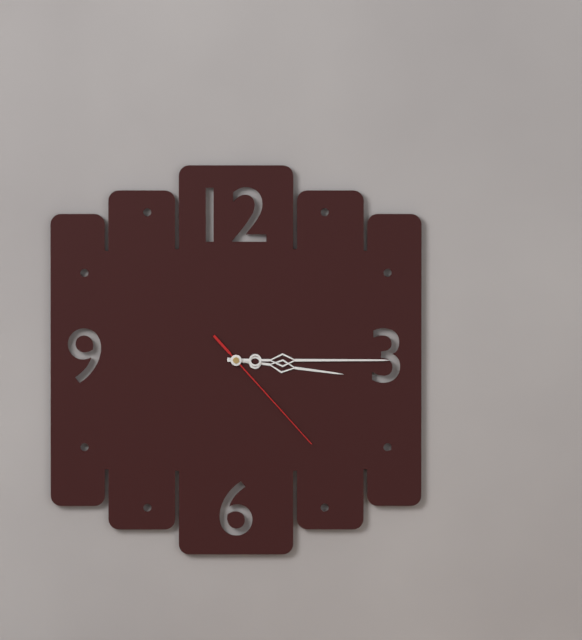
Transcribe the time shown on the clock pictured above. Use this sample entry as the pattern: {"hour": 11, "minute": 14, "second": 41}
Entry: {"hour": 3, "minute": 15, "second": 23}
